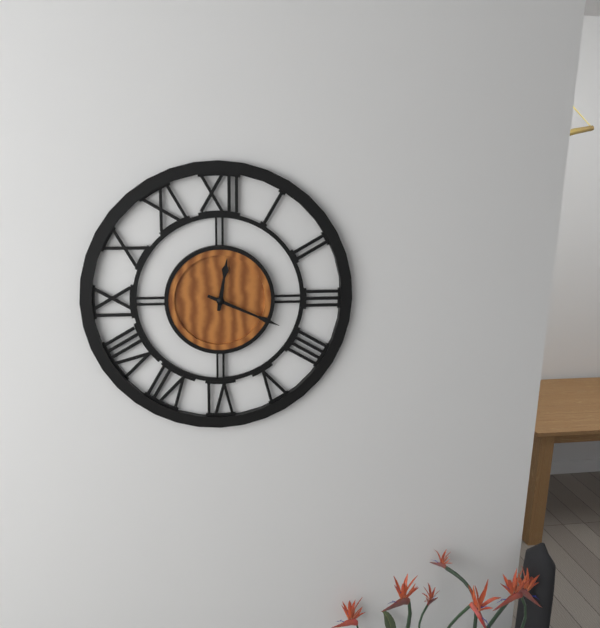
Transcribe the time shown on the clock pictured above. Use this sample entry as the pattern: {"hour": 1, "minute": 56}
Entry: {"hour": 12, "minute": 19}
